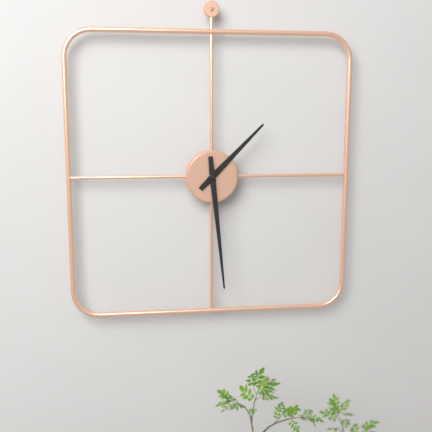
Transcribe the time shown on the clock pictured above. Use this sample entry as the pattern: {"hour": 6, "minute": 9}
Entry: {"hour": 1, "minute": 29}
